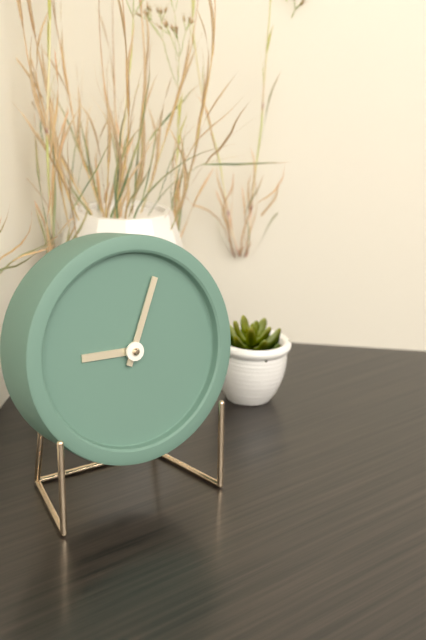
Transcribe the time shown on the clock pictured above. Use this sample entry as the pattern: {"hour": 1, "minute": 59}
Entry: {"hour": 9, "minute": 4}
